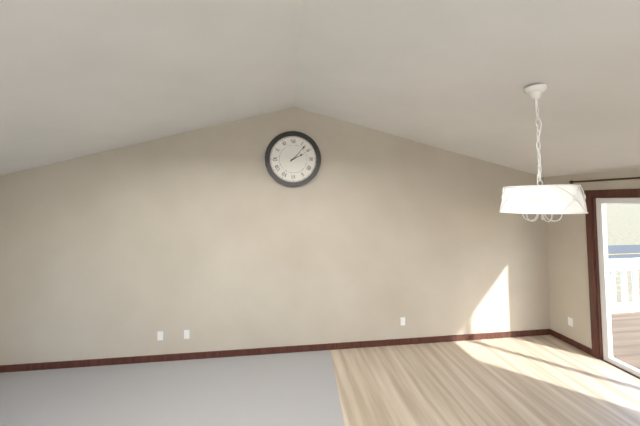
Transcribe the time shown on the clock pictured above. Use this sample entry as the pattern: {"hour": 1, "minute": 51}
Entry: {"hour": 2, "minute": 7}
